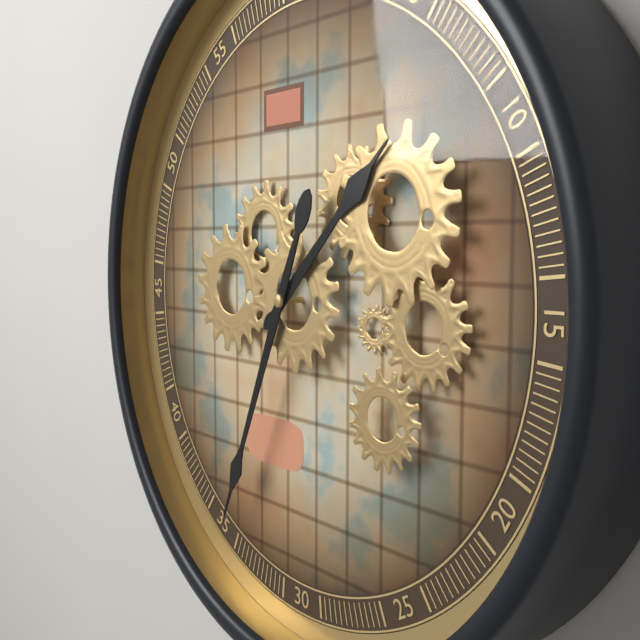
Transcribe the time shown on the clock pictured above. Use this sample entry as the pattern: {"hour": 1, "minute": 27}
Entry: {"hour": 1, "minute": 34}
